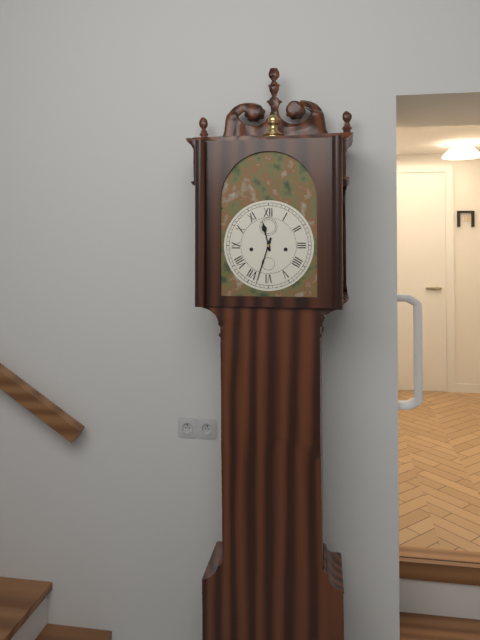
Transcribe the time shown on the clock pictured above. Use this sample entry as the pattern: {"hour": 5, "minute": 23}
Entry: {"hour": 11, "minute": 33}
